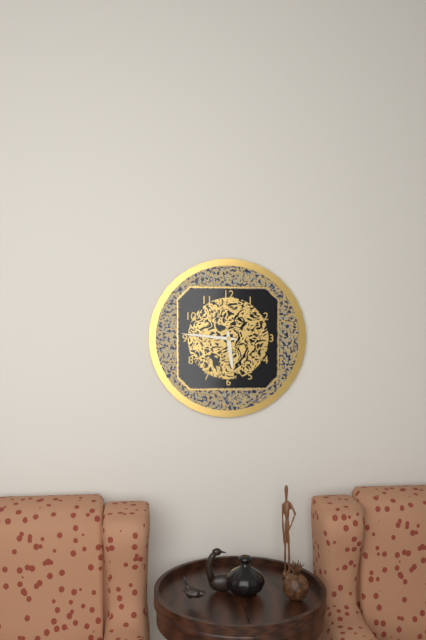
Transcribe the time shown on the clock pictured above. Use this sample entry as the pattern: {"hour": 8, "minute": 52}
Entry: {"hour": 5, "minute": 46}
